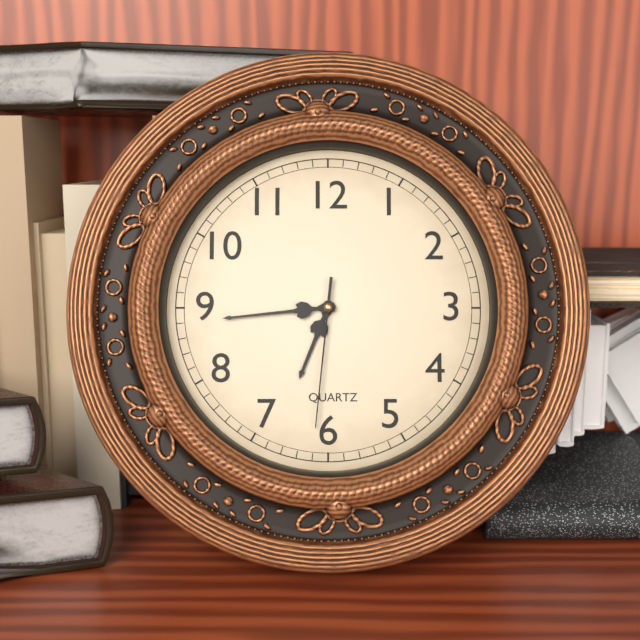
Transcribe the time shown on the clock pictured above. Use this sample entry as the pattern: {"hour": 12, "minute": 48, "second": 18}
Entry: {"hour": 6, "minute": 44, "second": 31}
